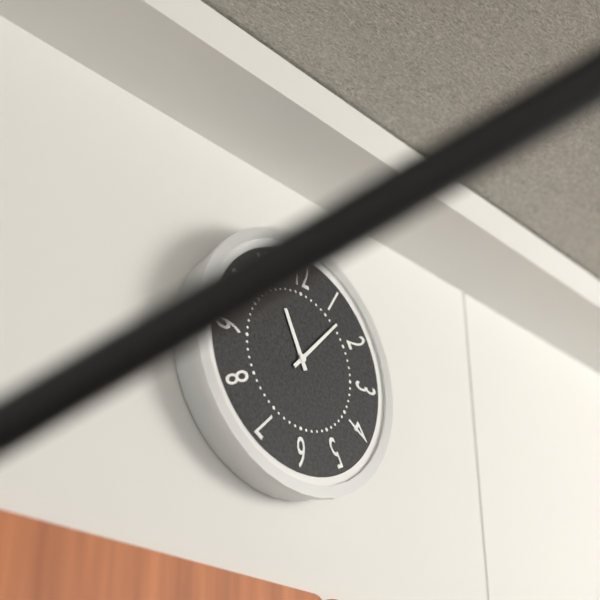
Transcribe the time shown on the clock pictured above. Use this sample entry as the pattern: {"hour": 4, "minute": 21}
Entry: {"hour": 11, "minute": 7}
